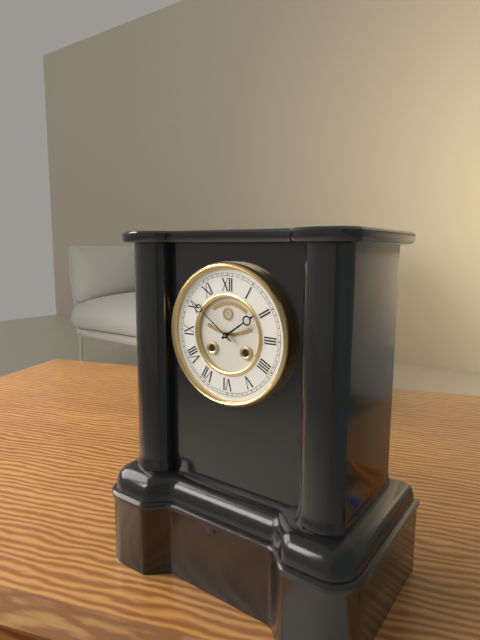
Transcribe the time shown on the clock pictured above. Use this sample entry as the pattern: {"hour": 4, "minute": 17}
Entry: {"hour": 1, "minute": 51}
